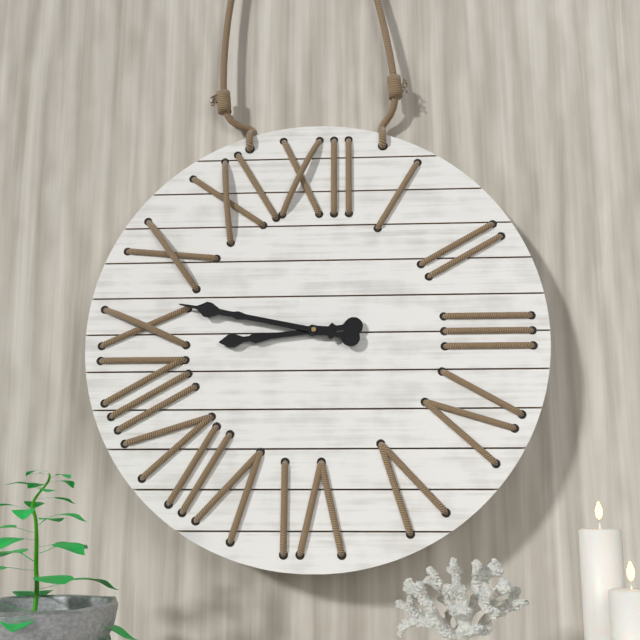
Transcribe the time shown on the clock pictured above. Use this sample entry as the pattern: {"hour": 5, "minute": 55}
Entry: {"hour": 8, "minute": 47}
